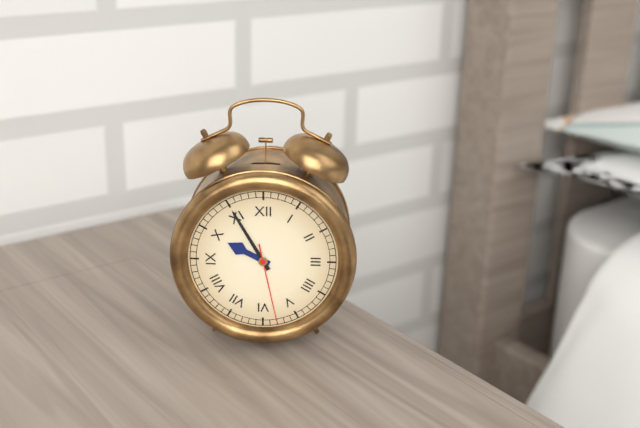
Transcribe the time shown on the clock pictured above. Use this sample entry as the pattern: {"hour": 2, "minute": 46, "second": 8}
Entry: {"hour": 9, "minute": 55, "second": 28}
